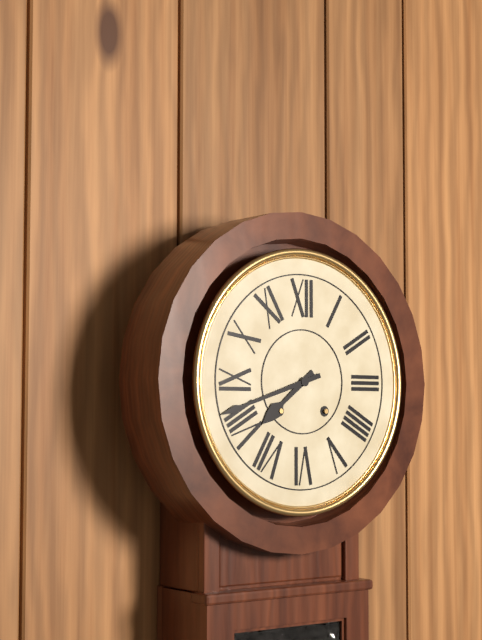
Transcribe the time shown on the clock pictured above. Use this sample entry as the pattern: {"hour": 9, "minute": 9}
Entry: {"hour": 7, "minute": 42}
